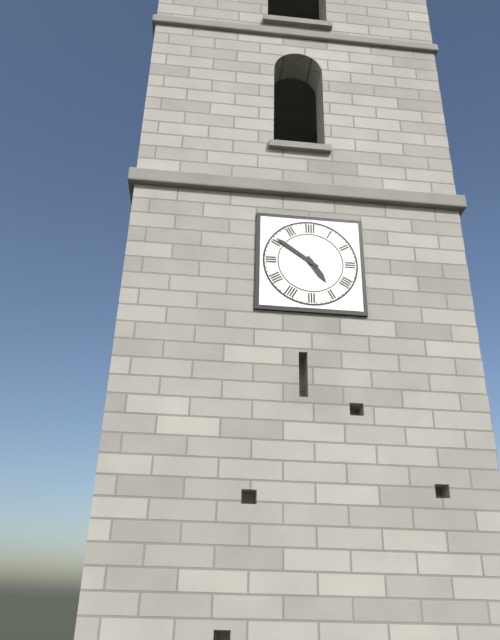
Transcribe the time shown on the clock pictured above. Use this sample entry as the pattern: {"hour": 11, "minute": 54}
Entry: {"hour": 4, "minute": 51}
